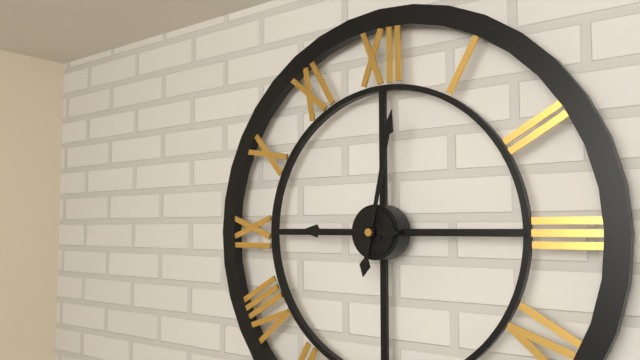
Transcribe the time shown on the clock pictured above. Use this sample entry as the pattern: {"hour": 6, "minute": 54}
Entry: {"hour": 9, "minute": 2}
